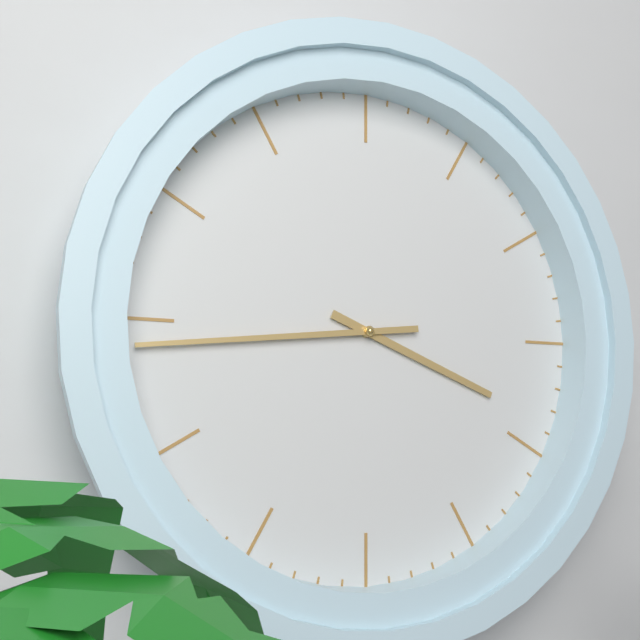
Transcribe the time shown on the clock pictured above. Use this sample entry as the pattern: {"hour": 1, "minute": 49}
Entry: {"hour": 3, "minute": 44}
